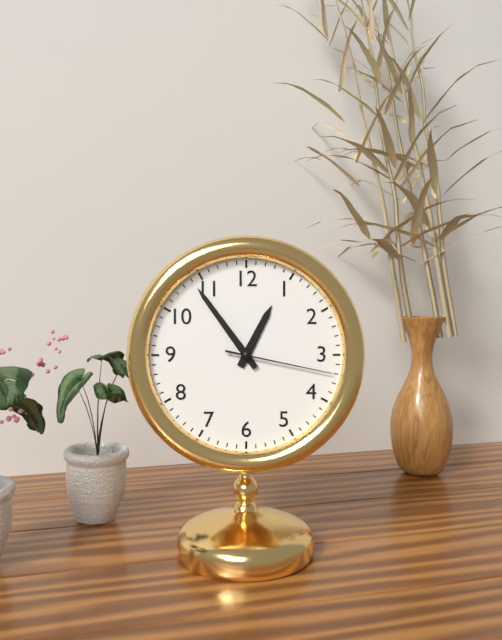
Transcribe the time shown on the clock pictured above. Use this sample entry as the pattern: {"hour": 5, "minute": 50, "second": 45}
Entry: {"hour": 12, "minute": 54, "second": 17}
